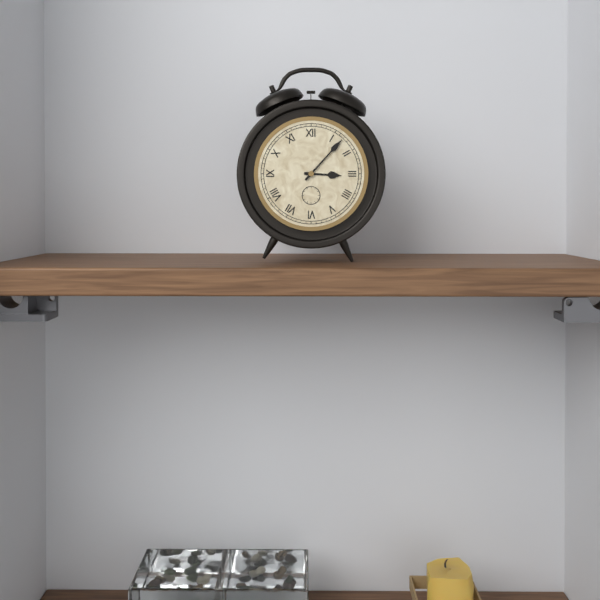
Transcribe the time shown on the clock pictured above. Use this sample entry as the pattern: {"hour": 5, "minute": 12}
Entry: {"hour": 3, "minute": 7}
